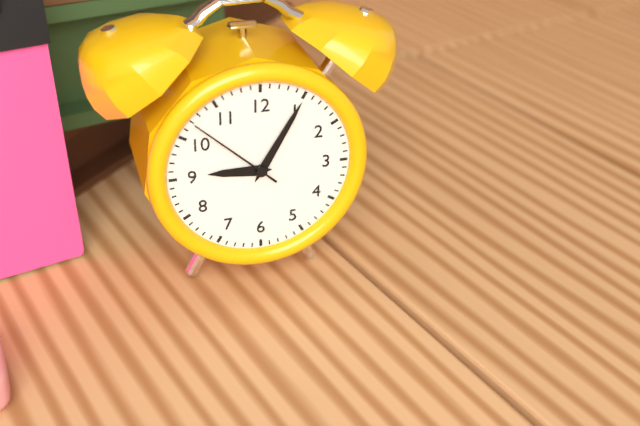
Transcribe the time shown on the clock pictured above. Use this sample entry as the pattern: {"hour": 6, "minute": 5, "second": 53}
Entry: {"hour": 9, "minute": 5, "second": 52}
